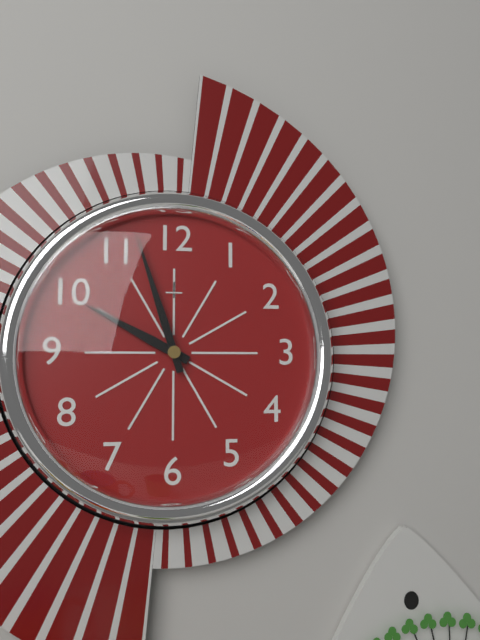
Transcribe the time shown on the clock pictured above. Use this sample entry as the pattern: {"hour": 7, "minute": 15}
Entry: {"hour": 9, "minute": 57}
